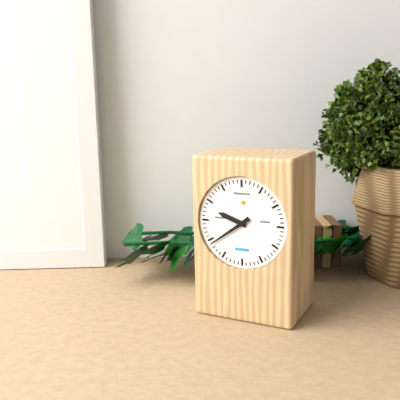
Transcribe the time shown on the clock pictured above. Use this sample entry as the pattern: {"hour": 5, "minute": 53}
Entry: {"hour": 9, "minute": 39}
